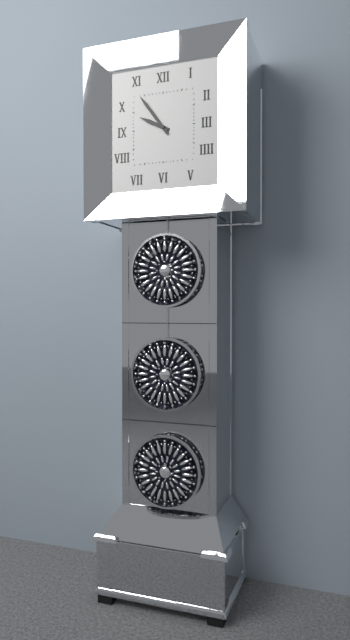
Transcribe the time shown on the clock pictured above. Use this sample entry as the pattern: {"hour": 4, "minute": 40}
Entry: {"hour": 9, "minute": 54}
